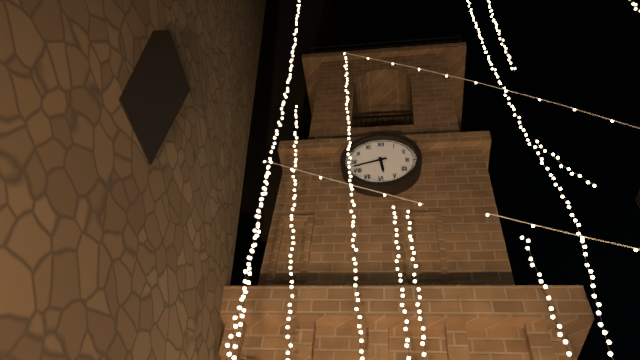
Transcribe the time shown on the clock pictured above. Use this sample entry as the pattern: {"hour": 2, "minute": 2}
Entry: {"hour": 5, "minute": 42}
